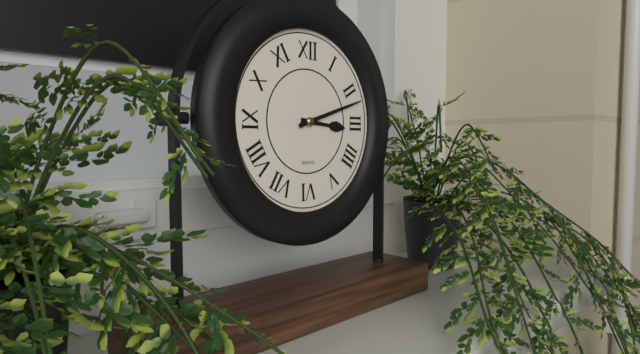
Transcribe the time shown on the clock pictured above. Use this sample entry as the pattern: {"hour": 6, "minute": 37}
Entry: {"hour": 3, "minute": 12}
